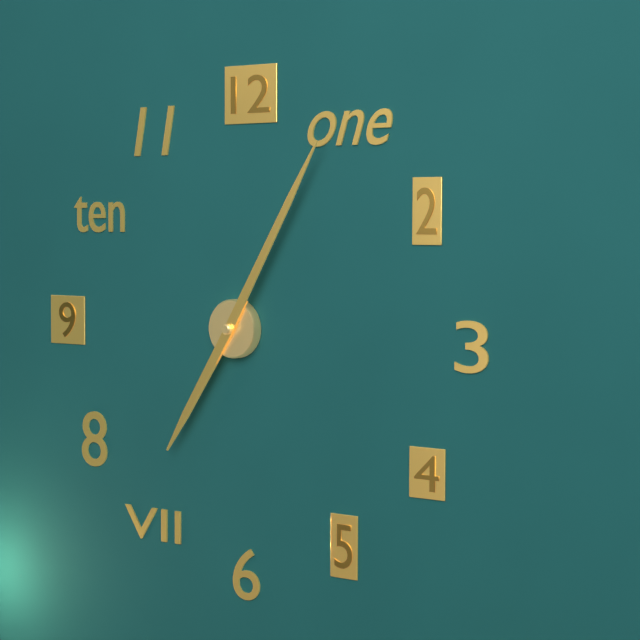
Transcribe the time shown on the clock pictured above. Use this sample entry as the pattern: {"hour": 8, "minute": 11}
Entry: {"hour": 7, "minute": 5}
